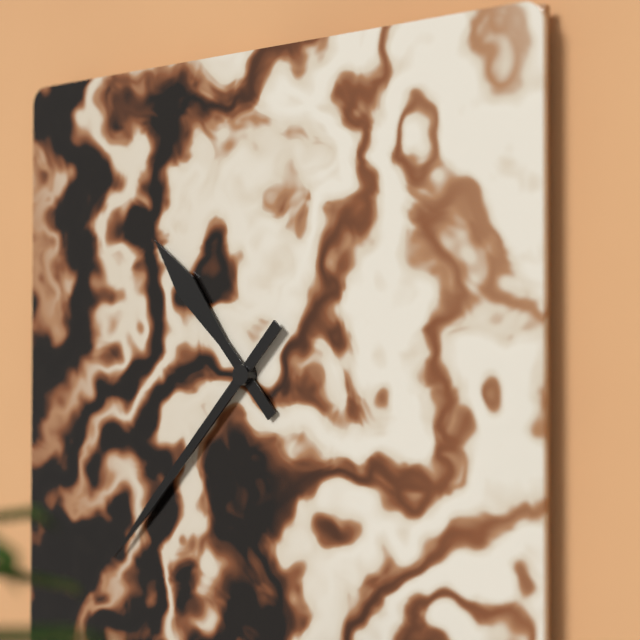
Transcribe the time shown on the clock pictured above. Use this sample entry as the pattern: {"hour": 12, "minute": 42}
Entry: {"hour": 10, "minute": 37}
